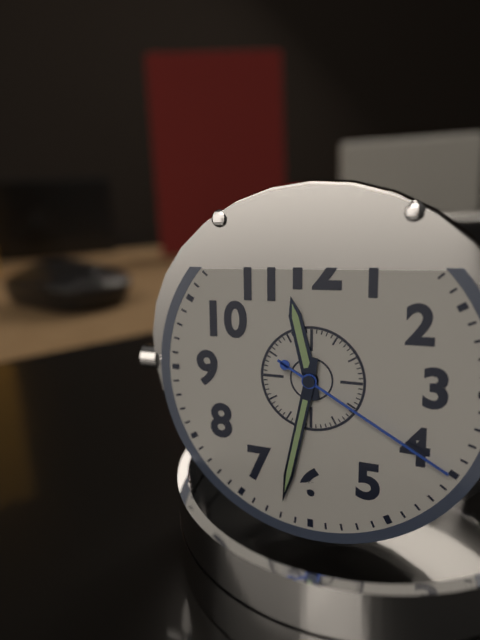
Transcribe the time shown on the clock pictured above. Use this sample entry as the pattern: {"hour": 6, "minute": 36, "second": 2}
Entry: {"hour": 11, "minute": 32, "second": 20}
